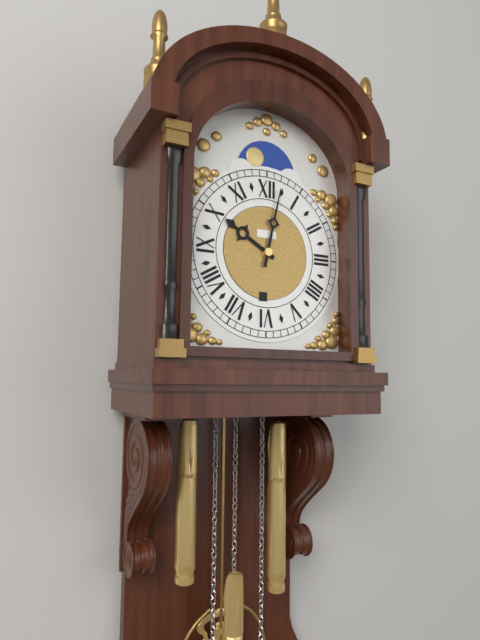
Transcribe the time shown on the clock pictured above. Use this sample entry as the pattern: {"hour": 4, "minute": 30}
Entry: {"hour": 10, "minute": 2}
